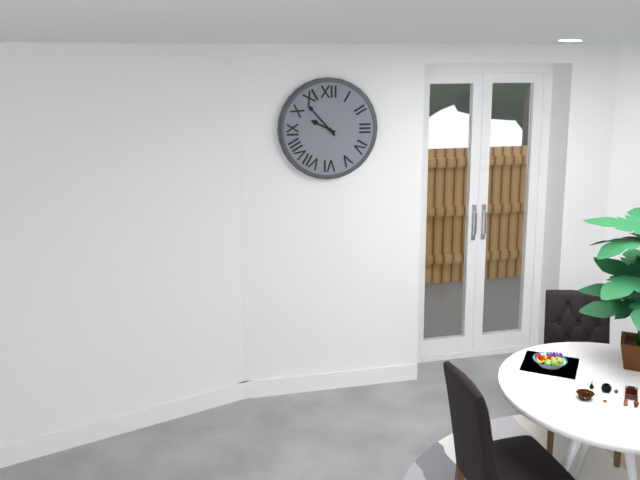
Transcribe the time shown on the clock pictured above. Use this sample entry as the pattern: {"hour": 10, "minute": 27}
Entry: {"hour": 9, "minute": 53}
